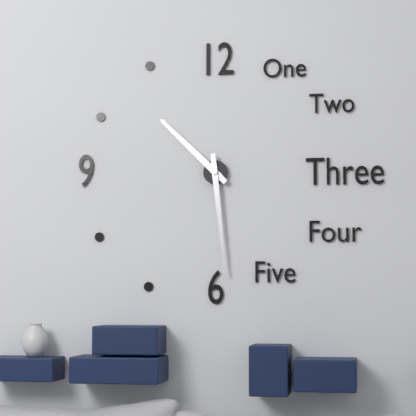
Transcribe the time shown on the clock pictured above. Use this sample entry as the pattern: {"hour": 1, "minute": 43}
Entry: {"hour": 10, "minute": 29}
